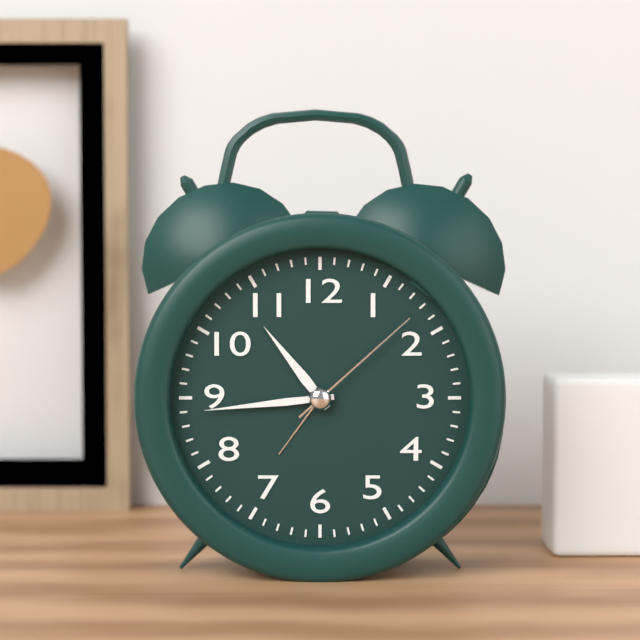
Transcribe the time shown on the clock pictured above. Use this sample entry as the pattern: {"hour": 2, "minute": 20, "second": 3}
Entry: {"hour": 10, "minute": 44, "second": 8}
